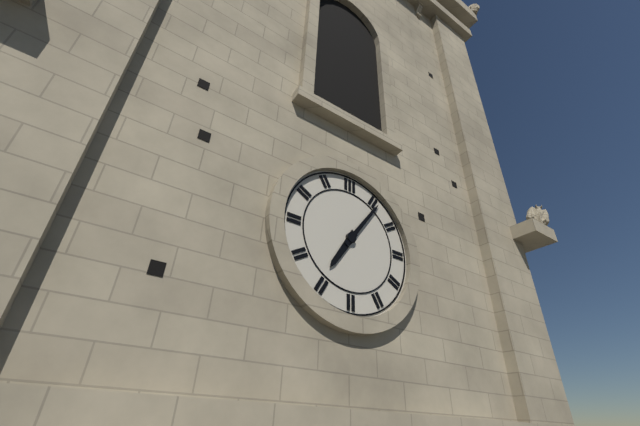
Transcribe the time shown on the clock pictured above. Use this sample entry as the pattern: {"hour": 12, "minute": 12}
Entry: {"hour": 7, "minute": 6}
